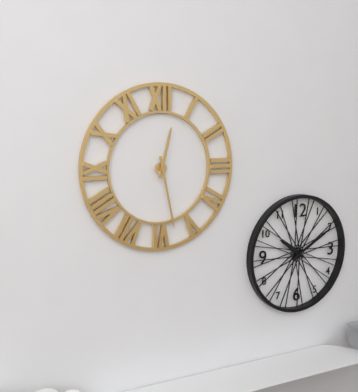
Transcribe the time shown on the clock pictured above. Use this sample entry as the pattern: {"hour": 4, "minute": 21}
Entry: {"hour": 12, "minute": 28}
